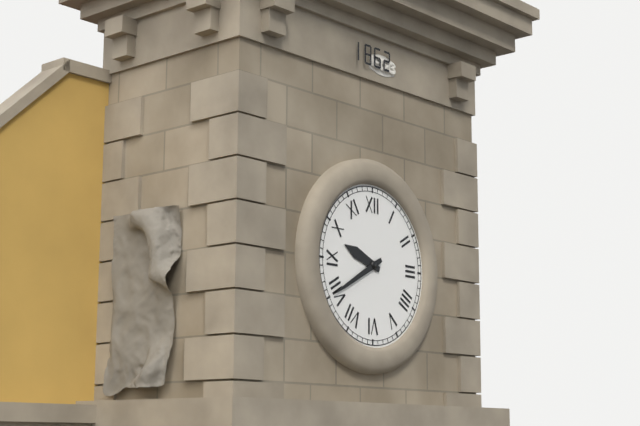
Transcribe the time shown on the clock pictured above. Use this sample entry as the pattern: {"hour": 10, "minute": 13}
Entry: {"hour": 9, "minute": 40}
